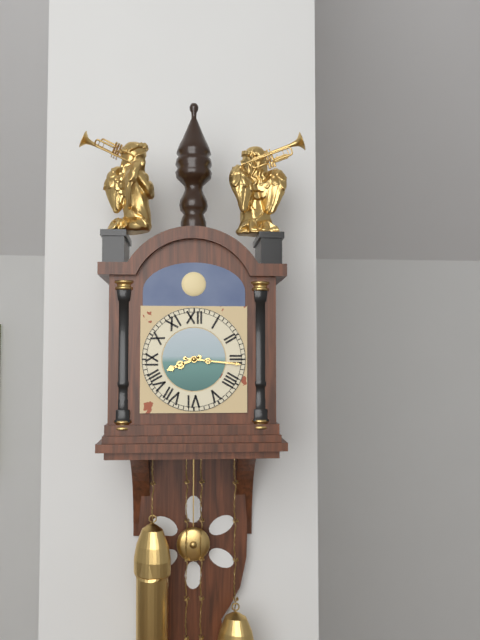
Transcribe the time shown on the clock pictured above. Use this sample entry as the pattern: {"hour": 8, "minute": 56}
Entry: {"hour": 8, "minute": 16}
